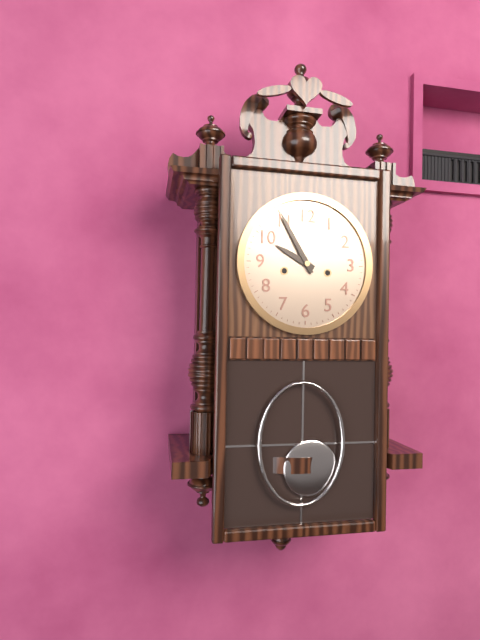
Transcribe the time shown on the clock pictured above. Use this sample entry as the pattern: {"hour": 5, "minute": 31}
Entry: {"hour": 9, "minute": 55}
